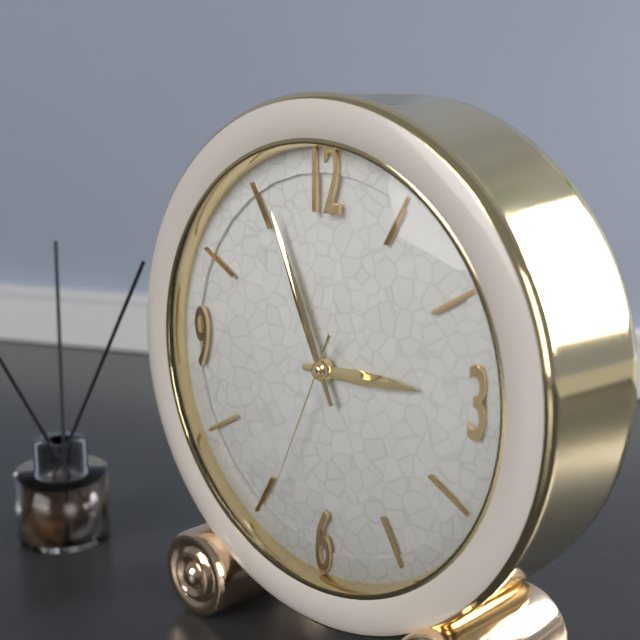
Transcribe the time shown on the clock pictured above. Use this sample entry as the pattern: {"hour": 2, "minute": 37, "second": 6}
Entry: {"hour": 2, "minute": 56, "second": 34}
